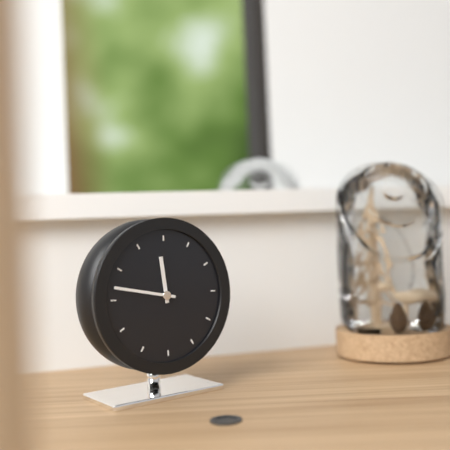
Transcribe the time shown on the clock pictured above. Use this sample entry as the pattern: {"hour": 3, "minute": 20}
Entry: {"hour": 11, "minute": 47}
